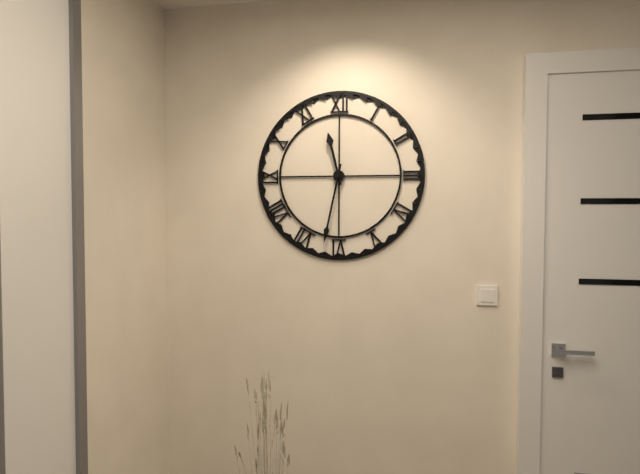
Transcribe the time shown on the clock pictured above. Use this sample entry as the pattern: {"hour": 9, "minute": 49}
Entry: {"hour": 11, "minute": 32}
